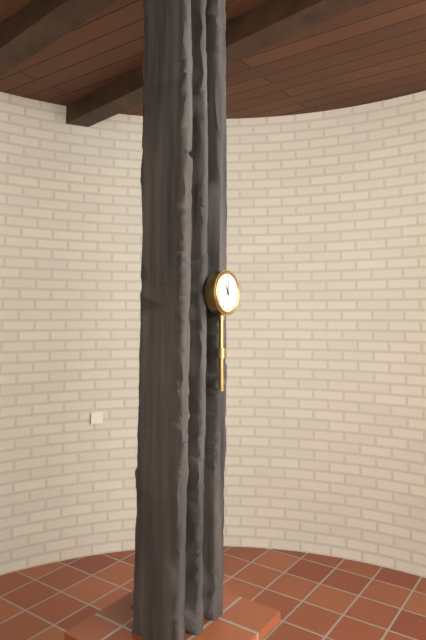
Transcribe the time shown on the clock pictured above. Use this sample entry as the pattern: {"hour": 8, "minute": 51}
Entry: {"hour": 11, "minute": 0}
